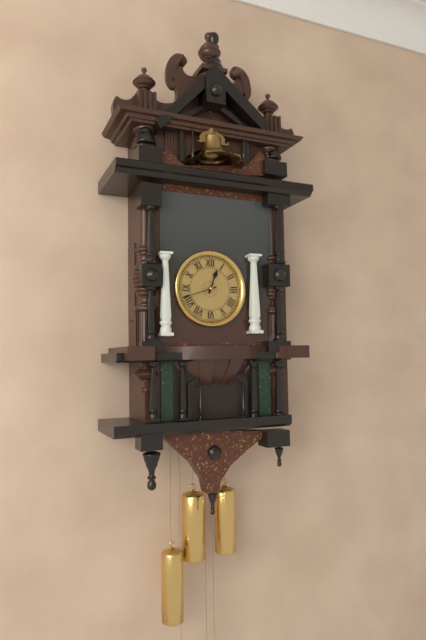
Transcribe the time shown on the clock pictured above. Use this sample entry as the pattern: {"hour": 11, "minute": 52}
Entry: {"hour": 12, "minute": 42}
